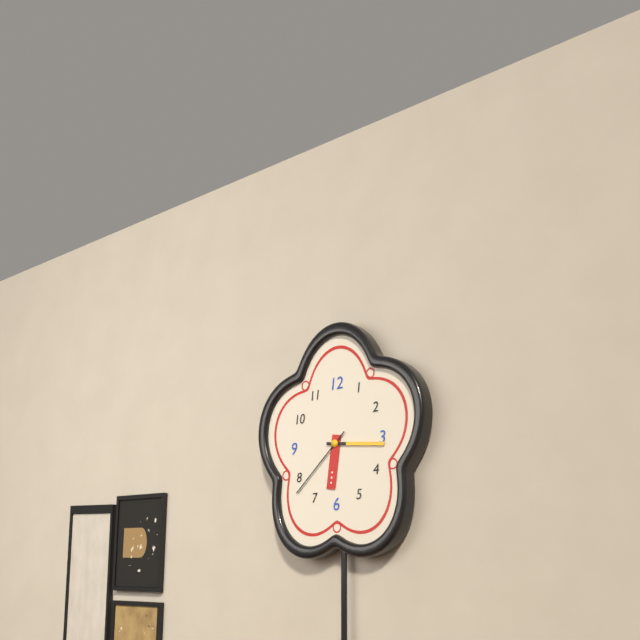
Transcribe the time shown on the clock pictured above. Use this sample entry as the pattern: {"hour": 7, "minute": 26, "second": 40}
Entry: {"hour": 6, "minute": 16, "second": 38}
